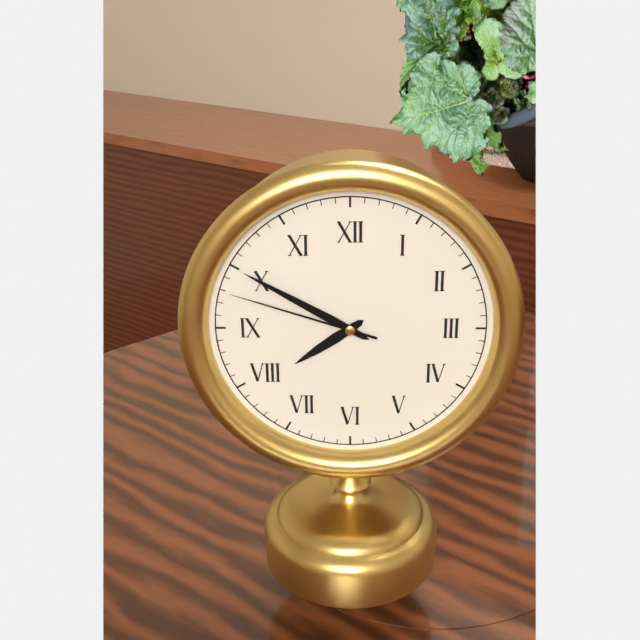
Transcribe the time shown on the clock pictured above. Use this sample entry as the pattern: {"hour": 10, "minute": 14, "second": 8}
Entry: {"hour": 7, "minute": 50, "second": 48}
